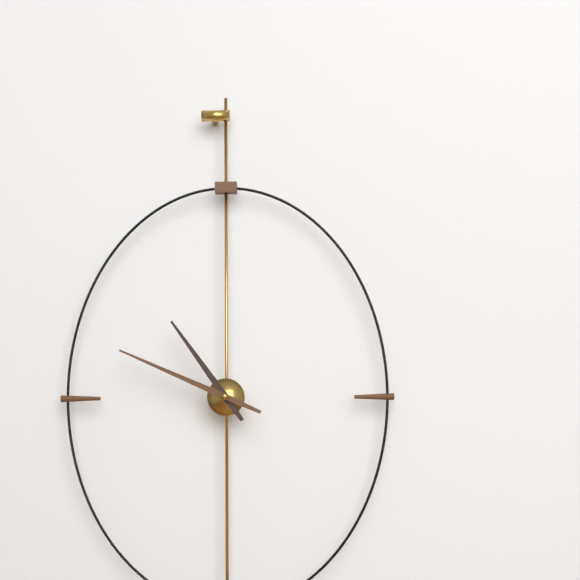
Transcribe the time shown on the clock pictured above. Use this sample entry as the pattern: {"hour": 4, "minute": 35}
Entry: {"hour": 10, "minute": 49}
